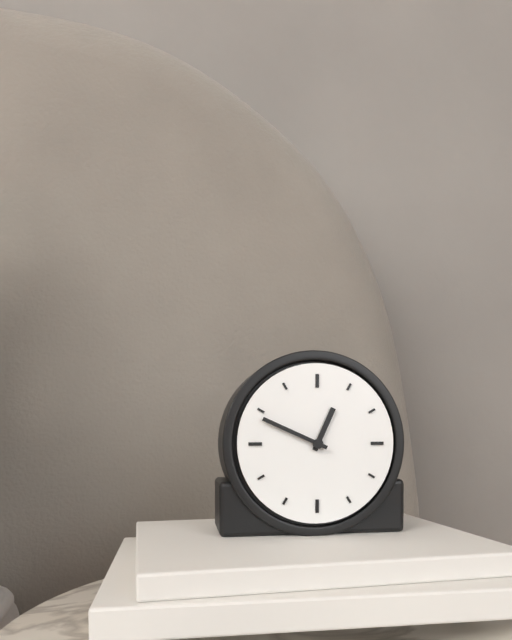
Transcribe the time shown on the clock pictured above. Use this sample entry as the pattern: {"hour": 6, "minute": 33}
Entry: {"hour": 12, "minute": 49}
